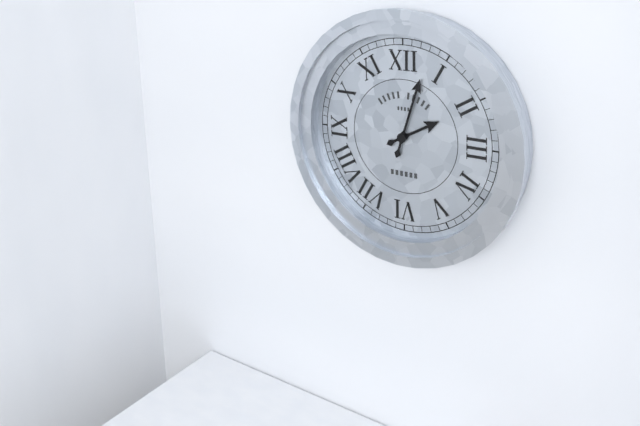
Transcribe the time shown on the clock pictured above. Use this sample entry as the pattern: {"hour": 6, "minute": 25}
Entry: {"hour": 2, "minute": 3}
